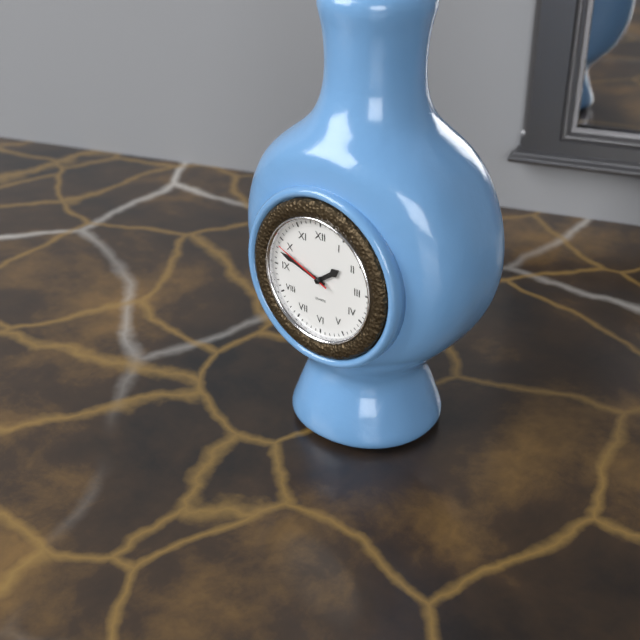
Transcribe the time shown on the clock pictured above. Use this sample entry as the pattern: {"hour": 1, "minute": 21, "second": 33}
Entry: {"hour": 1, "minute": 48, "second": 49}
